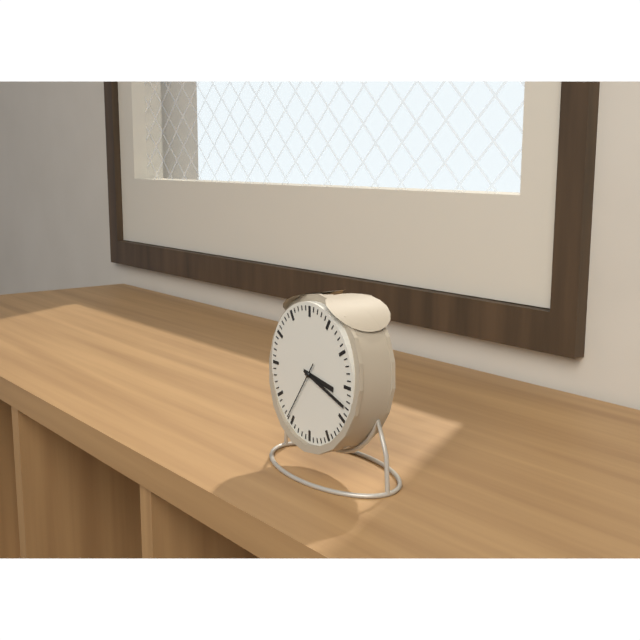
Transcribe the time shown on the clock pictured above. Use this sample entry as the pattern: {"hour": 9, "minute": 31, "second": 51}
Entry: {"hour": 3, "minute": 18, "second": 36}
